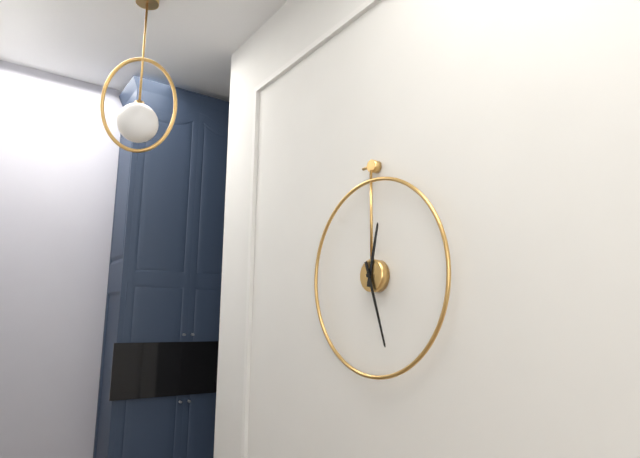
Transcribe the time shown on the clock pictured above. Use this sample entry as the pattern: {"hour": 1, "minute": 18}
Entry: {"hour": 12, "minute": 27}
